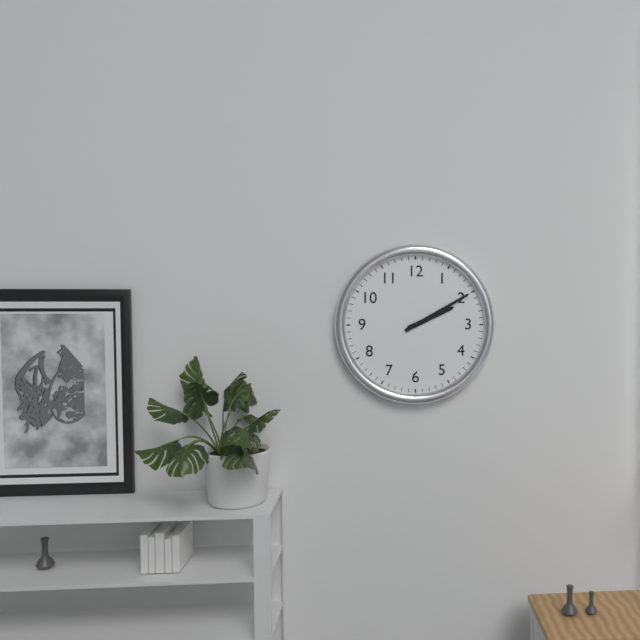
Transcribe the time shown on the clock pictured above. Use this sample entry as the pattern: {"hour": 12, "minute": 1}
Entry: {"hour": 2, "minute": 10}
